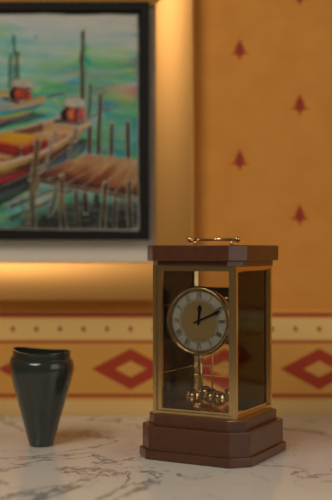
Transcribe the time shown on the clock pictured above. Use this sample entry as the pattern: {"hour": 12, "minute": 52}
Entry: {"hour": 12, "minute": 11}
